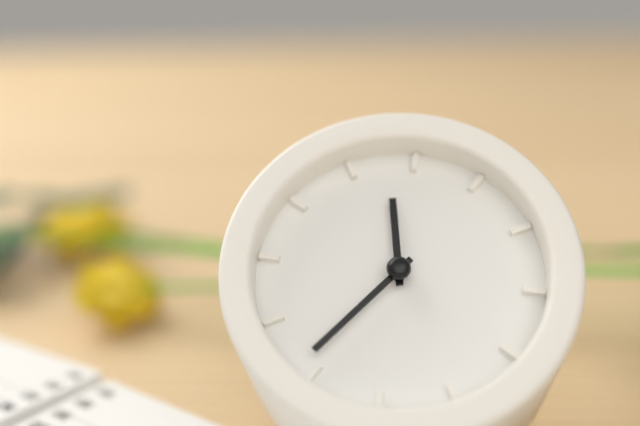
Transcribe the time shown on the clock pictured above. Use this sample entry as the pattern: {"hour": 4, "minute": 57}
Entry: {"hour": 11, "minute": 36}
